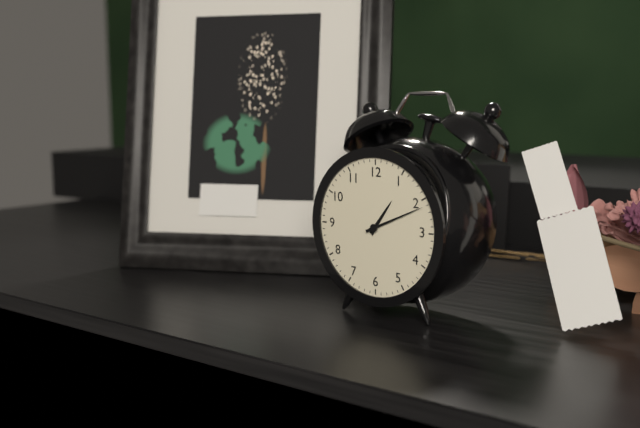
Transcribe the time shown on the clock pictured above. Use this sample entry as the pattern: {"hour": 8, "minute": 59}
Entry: {"hour": 1, "minute": 11}
